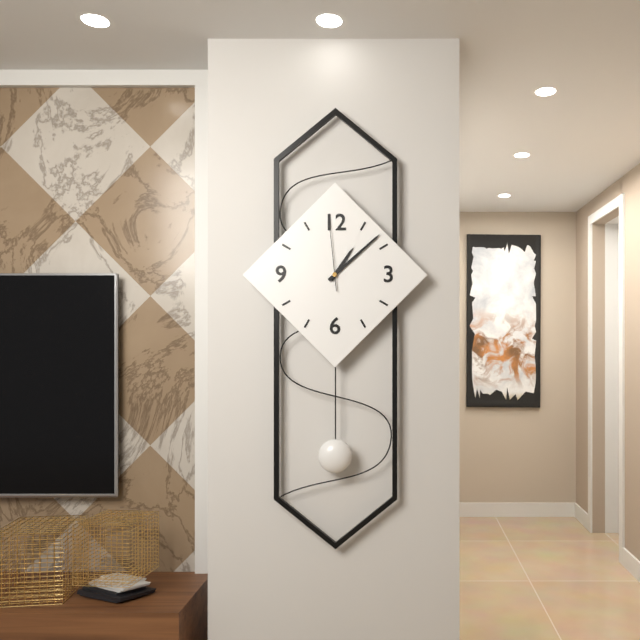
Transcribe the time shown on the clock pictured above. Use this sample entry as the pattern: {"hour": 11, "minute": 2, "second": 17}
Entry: {"hour": 1, "minute": 8, "second": 59}
